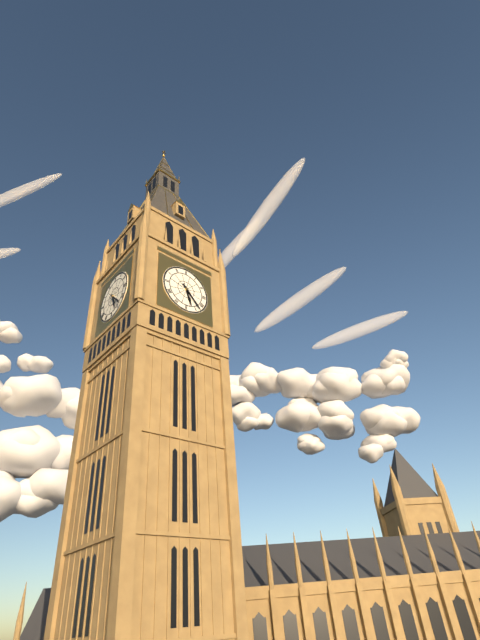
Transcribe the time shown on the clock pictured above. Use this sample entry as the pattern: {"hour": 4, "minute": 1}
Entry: {"hour": 5, "minute": 23}
